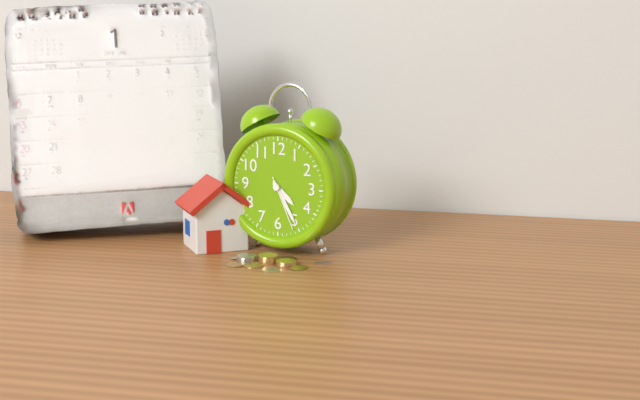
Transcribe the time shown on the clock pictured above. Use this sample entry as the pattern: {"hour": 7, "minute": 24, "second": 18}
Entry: {"hour": 4, "minute": 25, "second": 26}
